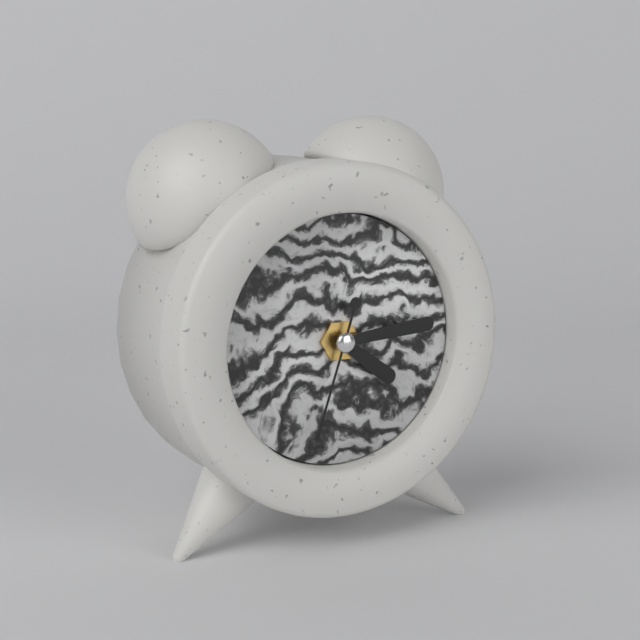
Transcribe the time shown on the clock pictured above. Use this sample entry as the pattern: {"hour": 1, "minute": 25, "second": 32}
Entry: {"hour": 4, "minute": 14, "second": 33}
